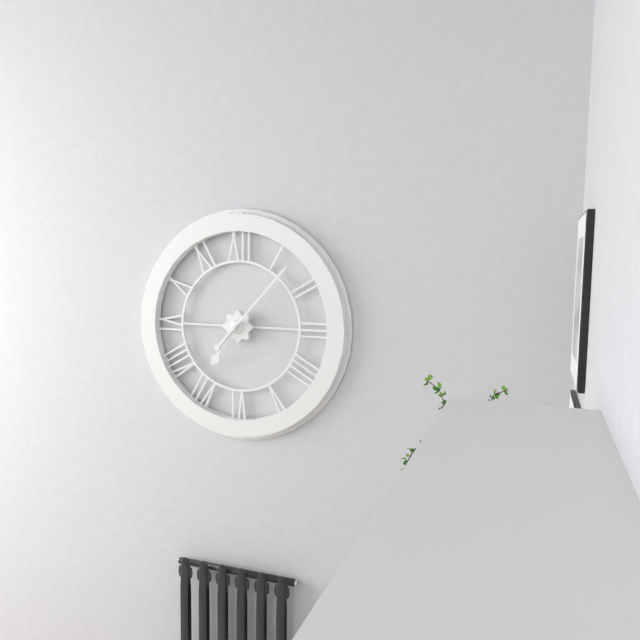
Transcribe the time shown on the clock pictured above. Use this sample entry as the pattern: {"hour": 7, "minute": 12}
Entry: {"hour": 7, "minute": 7}
